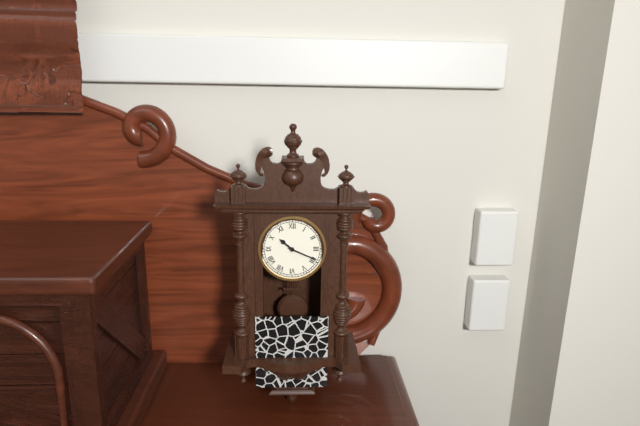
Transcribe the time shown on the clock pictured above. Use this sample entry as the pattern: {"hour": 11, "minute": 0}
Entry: {"hour": 10, "minute": 19}
